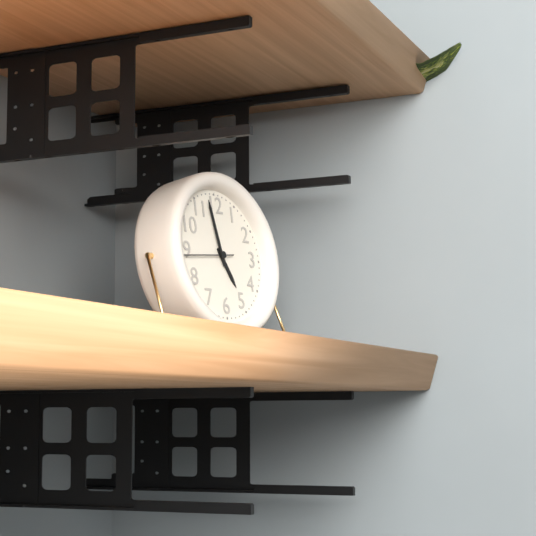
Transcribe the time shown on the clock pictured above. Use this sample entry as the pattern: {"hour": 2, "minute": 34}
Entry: {"hour": 4, "minute": 58}
